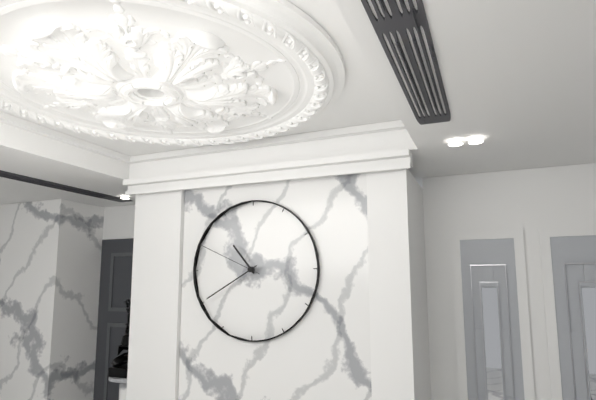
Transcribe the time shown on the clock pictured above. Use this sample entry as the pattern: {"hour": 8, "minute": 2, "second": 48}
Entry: {"hour": 10, "minute": 40, "second": 49}
